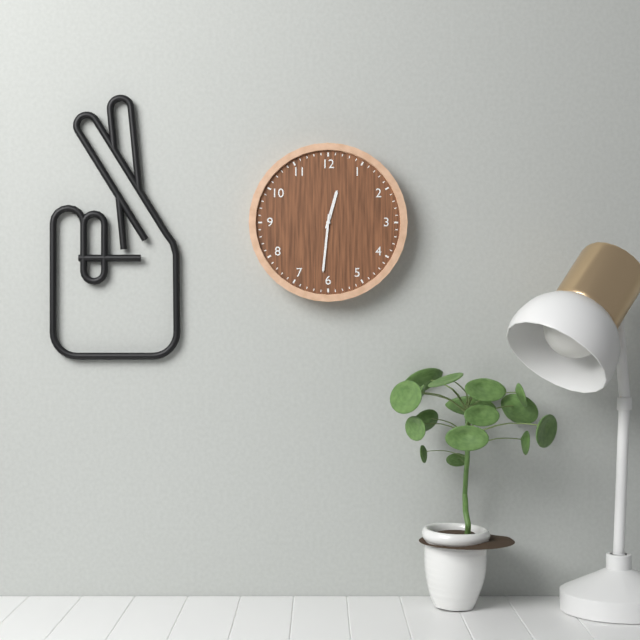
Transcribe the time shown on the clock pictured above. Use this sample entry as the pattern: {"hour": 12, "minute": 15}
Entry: {"hour": 12, "minute": 31}
